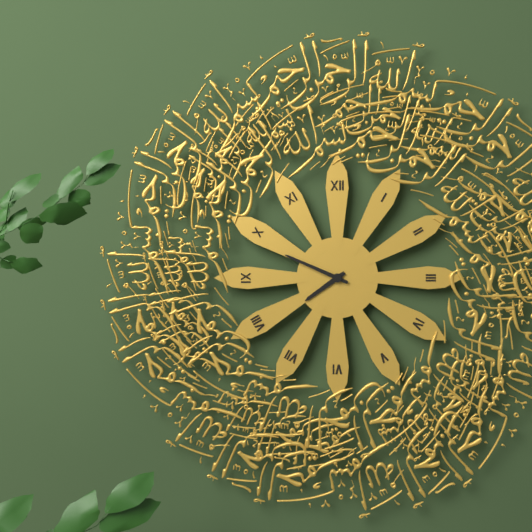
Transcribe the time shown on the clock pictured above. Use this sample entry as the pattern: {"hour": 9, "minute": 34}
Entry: {"hour": 7, "minute": 49}
